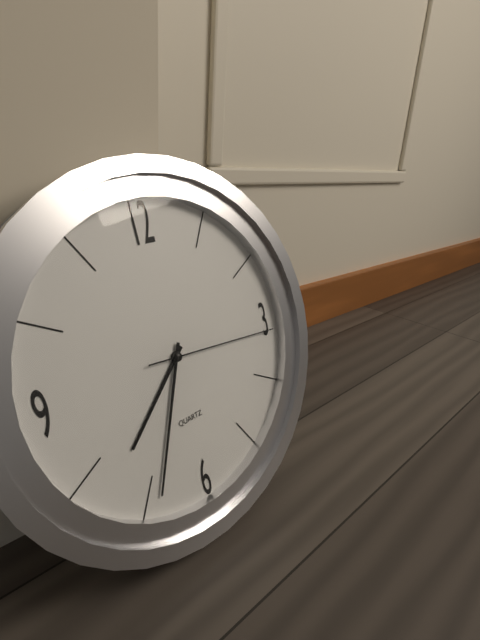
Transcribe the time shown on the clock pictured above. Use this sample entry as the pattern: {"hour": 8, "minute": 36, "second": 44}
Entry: {"hour": 7, "minute": 34, "second": 16}
